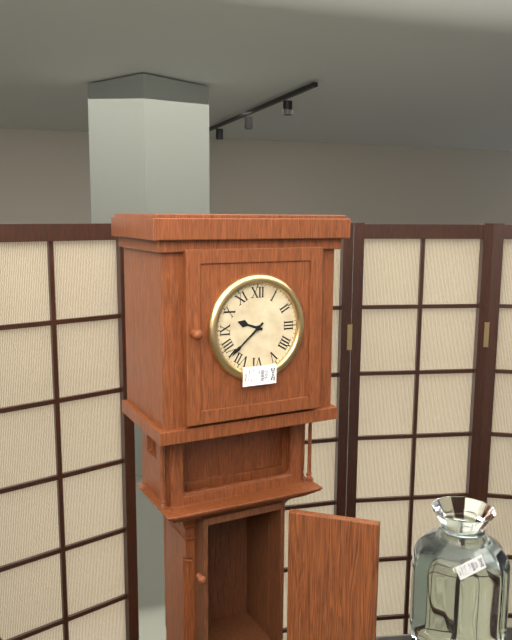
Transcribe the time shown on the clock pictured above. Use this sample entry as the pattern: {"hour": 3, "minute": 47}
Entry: {"hour": 9, "minute": 38}
